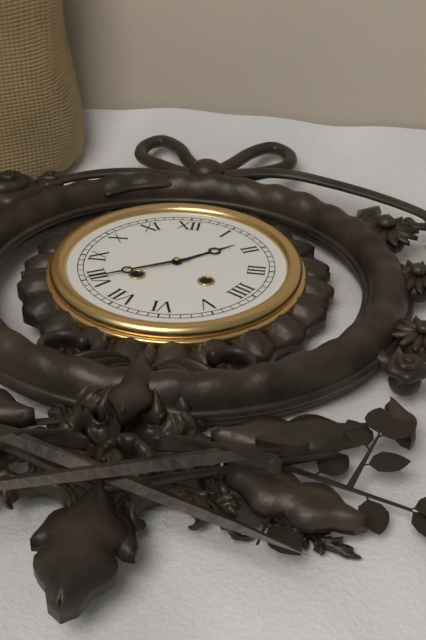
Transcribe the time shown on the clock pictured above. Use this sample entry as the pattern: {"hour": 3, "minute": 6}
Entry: {"hour": 1, "minute": 40}
